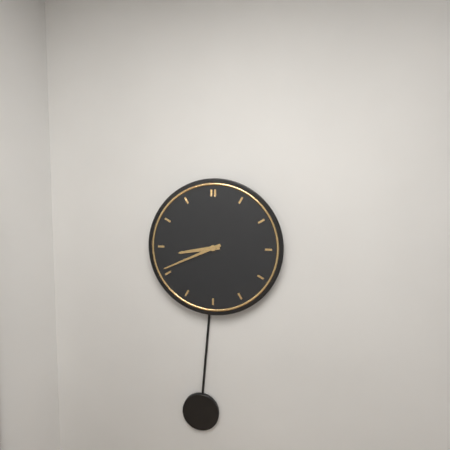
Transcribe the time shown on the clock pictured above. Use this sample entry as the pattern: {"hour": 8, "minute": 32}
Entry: {"hour": 8, "minute": 41}
